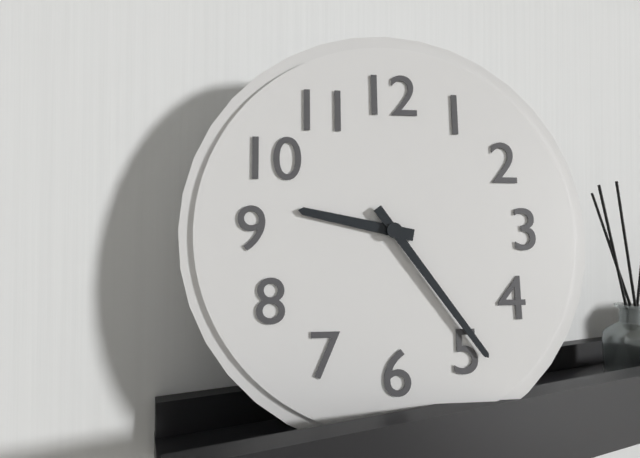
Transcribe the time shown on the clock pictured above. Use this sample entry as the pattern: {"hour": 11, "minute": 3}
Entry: {"hour": 9, "minute": 24}
